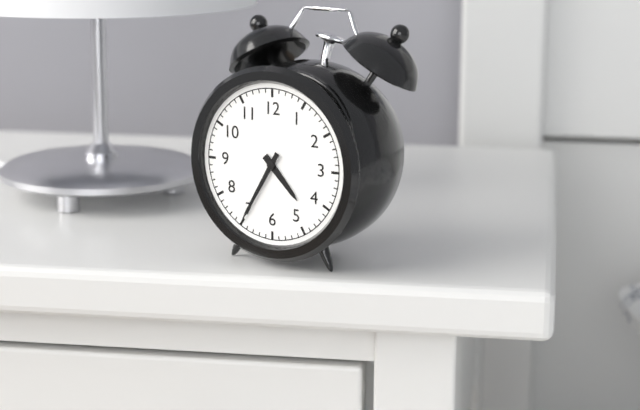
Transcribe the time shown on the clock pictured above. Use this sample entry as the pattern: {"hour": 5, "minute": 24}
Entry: {"hour": 4, "minute": 35}
